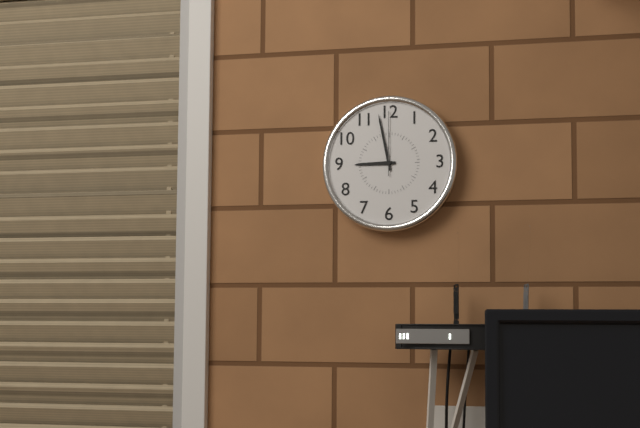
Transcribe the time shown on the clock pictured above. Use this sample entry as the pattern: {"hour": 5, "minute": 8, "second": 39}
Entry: {"hour": 8, "minute": 58, "second": 0}
